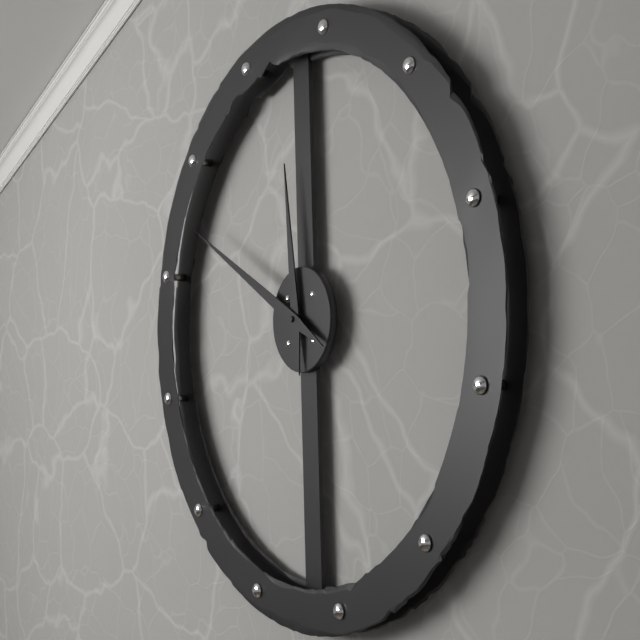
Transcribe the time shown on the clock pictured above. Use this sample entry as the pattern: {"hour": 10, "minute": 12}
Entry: {"hour": 11, "minute": 50}
